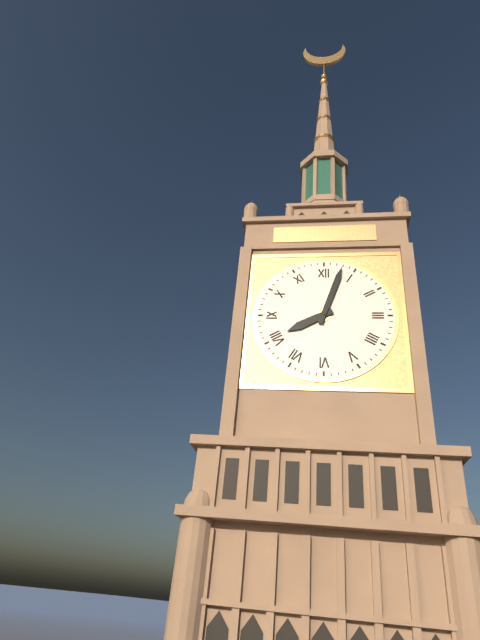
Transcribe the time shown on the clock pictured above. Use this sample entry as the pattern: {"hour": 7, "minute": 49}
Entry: {"hour": 8, "minute": 3}
